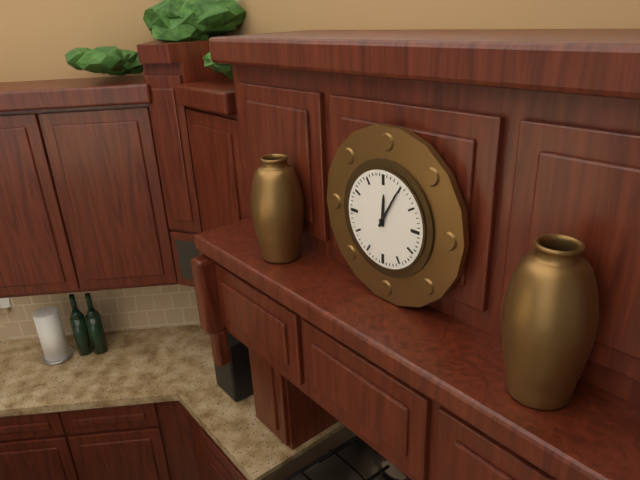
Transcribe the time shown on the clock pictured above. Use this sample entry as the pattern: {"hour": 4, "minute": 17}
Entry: {"hour": 12, "minute": 5}
